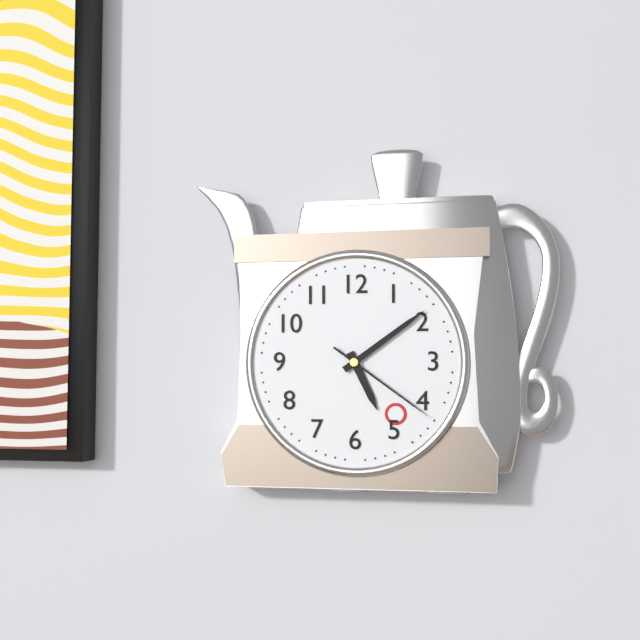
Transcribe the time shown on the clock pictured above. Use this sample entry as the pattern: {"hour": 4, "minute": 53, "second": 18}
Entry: {"hour": 5, "minute": 9, "second": 21}
